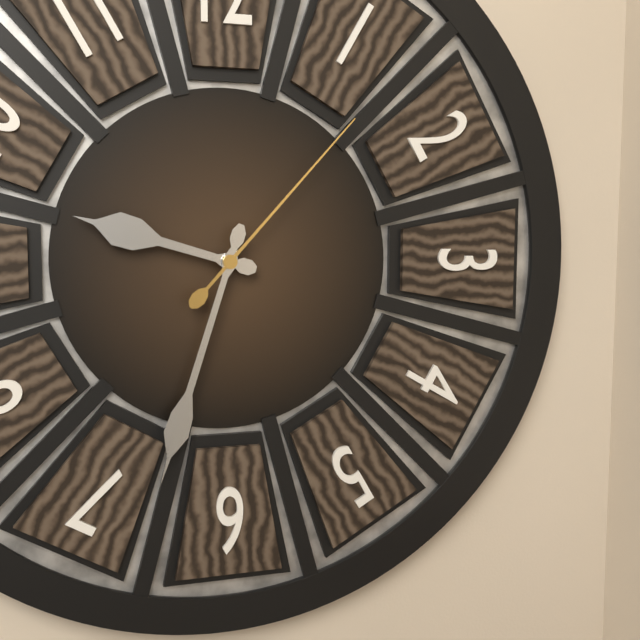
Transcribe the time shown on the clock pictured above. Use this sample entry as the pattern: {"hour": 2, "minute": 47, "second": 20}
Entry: {"hour": 9, "minute": 33, "second": 7}
